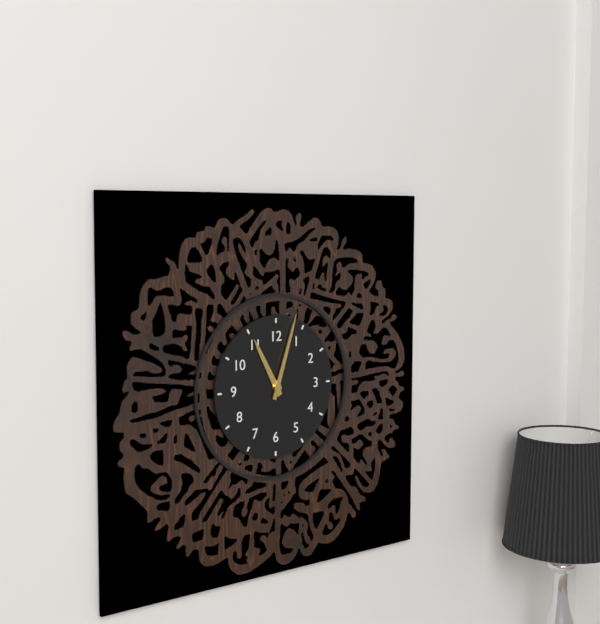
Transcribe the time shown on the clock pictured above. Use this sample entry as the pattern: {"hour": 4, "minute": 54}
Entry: {"hour": 11, "minute": 3}
